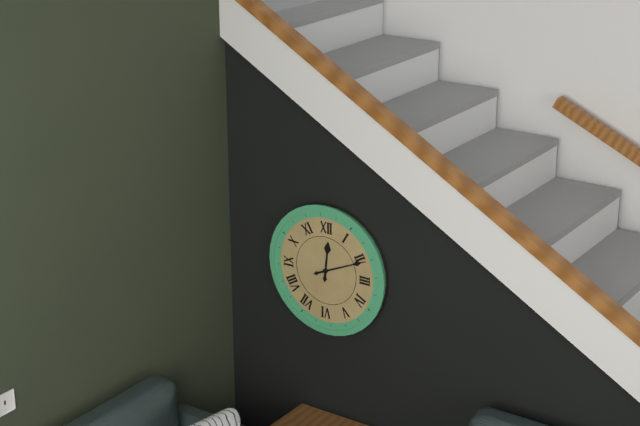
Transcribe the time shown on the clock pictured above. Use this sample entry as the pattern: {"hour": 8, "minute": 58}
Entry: {"hour": 12, "minute": 11}
